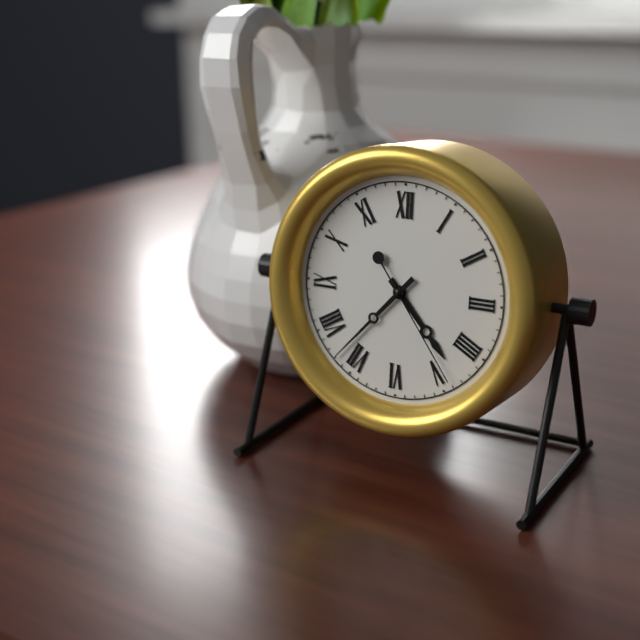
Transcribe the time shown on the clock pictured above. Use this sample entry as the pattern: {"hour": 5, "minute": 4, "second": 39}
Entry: {"hour": 4, "minute": 37, "second": 24}
